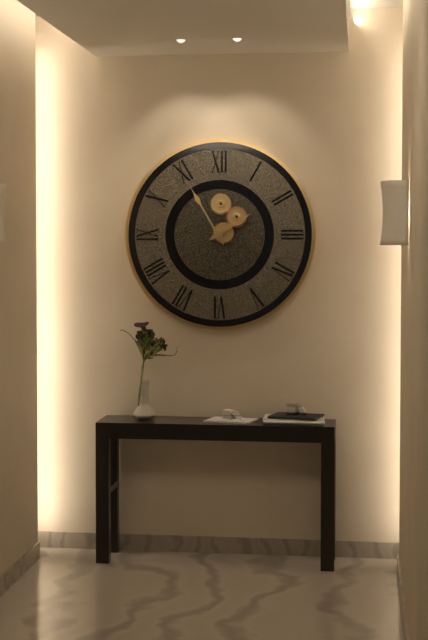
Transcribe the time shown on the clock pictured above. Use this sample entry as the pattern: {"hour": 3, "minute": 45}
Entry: {"hour": 1, "minute": 55}
